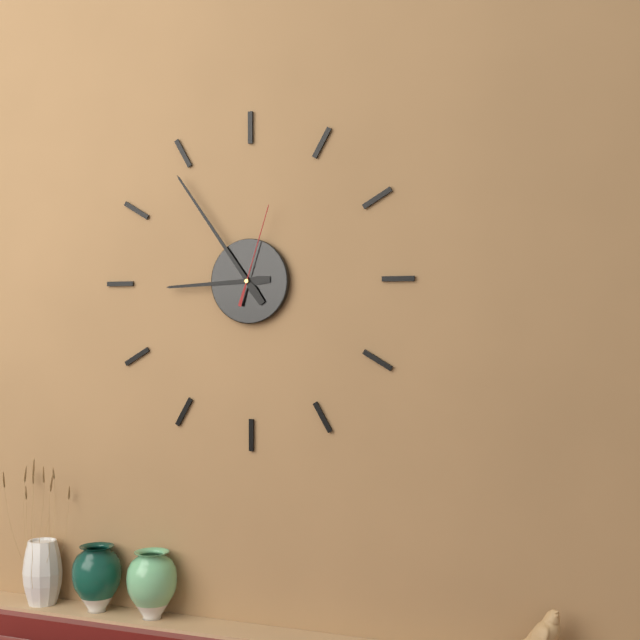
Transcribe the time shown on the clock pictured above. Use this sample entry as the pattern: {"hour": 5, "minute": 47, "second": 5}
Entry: {"hour": 8, "minute": 54, "second": 3}
